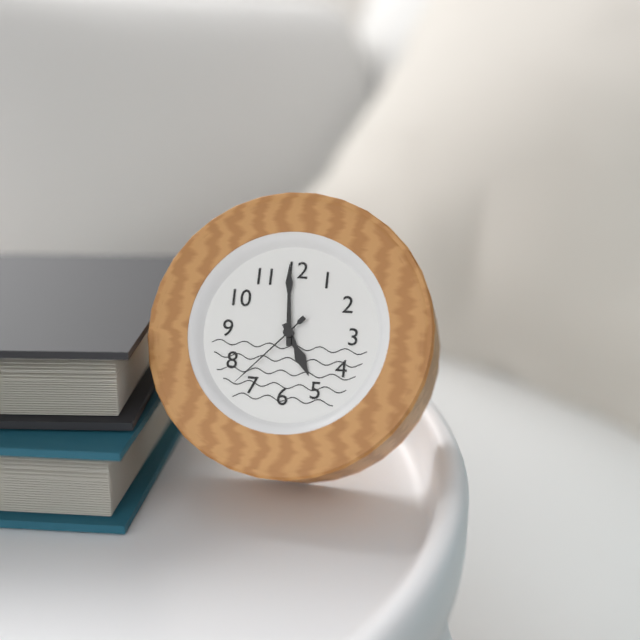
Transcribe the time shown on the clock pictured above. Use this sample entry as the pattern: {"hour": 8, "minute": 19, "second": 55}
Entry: {"hour": 4, "minute": 59, "second": 37}
